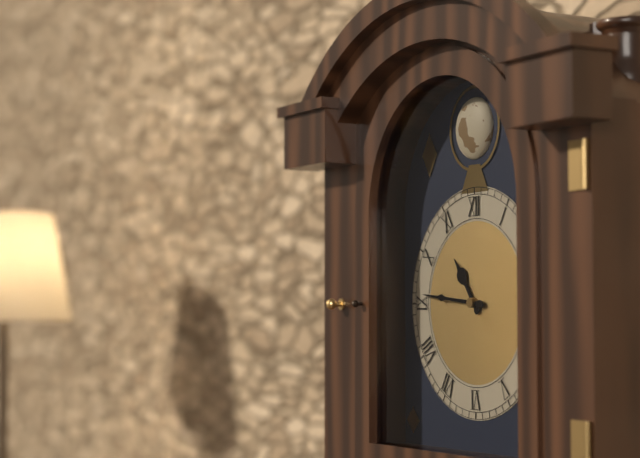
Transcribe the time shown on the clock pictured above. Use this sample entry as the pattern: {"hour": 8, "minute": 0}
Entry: {"hour": 10, "minute": 46}
